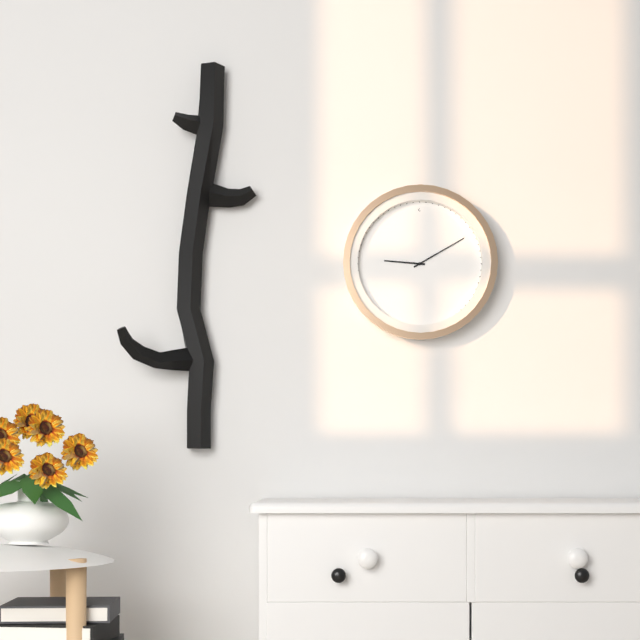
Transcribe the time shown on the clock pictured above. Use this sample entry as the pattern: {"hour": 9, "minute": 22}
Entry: {"hour": 9, "minute": 10}
